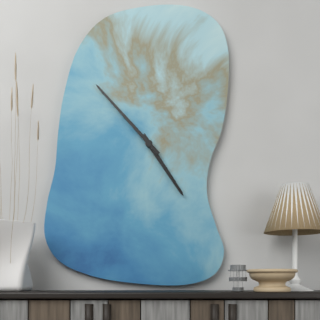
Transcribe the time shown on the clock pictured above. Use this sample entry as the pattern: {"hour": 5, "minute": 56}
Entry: {"hour": 4, "minute": 53}
